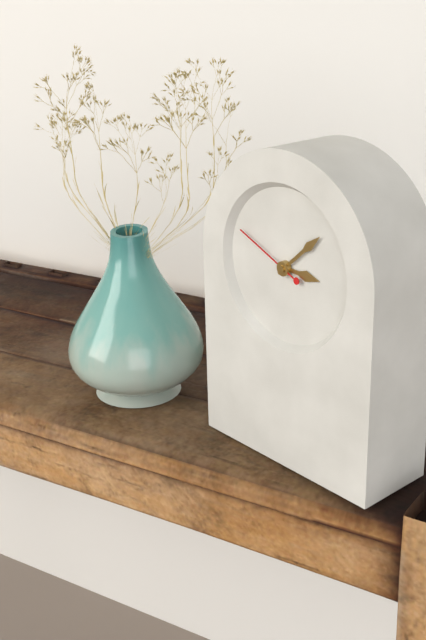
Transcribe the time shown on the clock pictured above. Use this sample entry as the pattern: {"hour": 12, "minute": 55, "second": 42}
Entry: {"hour": 3, "minute": 8, "second": 49}
